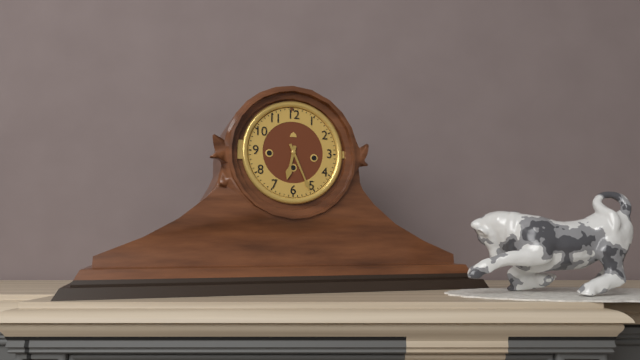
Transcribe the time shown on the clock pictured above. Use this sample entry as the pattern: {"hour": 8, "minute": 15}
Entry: {"hour": 6, "minute": 26}
